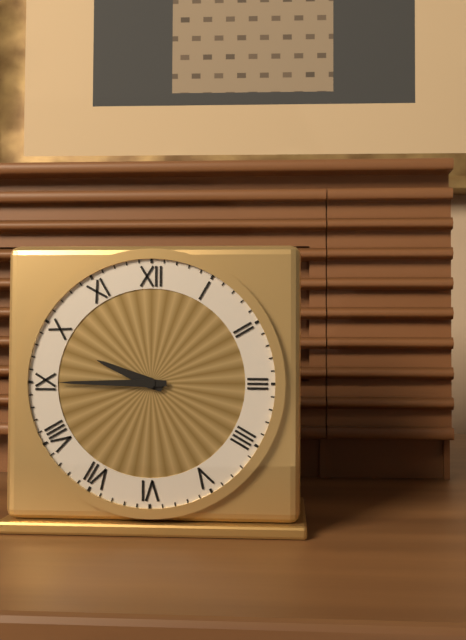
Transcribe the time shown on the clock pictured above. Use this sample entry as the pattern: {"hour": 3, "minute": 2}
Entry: {"hour": 9, "minute": 45}
